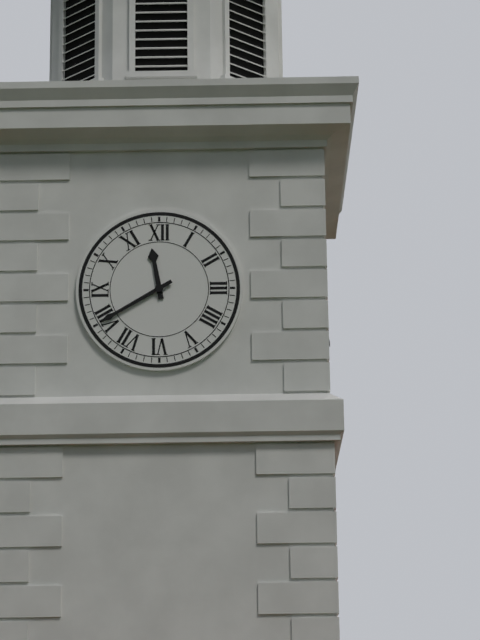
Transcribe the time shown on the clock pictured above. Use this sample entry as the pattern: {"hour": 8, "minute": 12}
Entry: {"hour": 11, "minute": 40}
